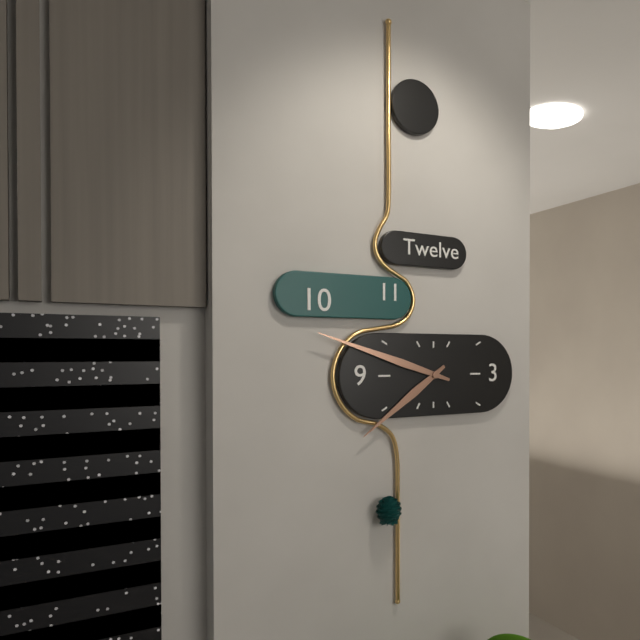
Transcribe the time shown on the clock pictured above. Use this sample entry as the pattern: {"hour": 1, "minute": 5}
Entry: {"hour": 7, "minute": 48}
